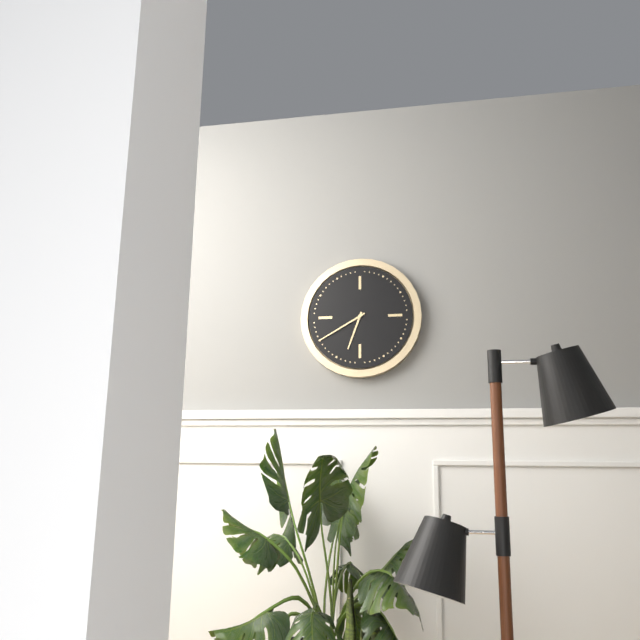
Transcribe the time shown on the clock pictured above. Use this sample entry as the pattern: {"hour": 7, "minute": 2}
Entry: {"hour": 6, "minute": 40}
